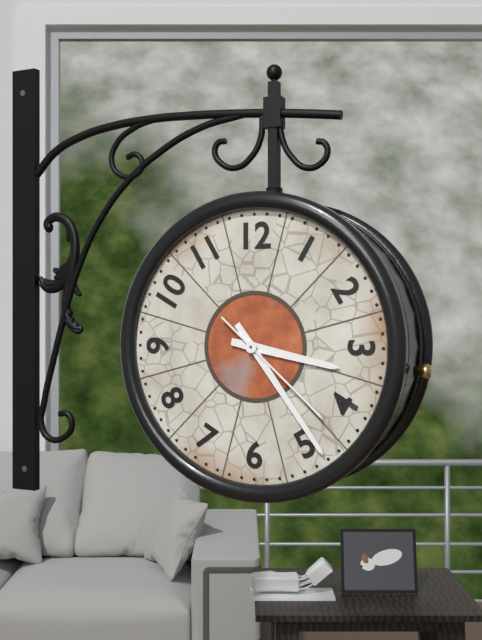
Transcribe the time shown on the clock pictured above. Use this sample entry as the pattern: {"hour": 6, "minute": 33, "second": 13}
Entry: {"hour": 3, "minute": 24, "second": 22}
